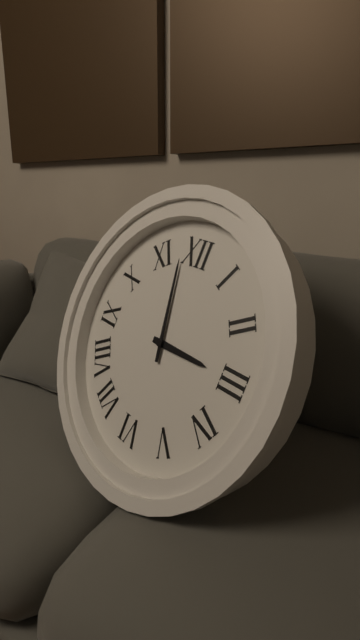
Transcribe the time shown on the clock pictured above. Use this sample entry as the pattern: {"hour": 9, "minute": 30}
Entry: {"hour": 2, "minute": 58}
